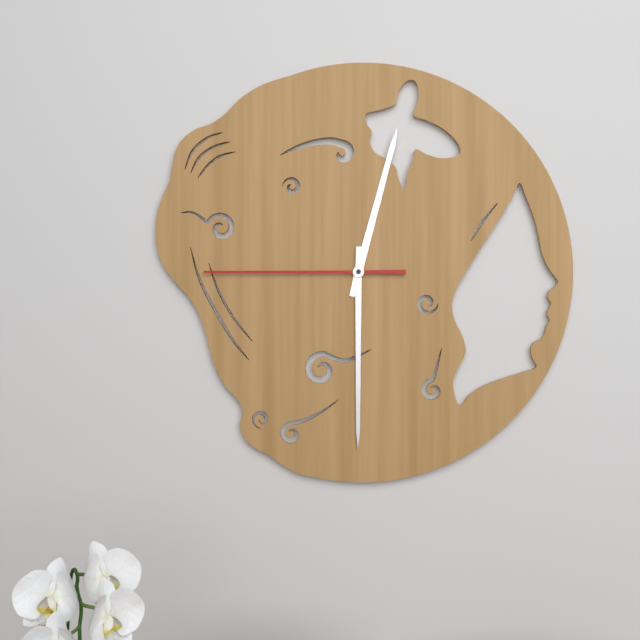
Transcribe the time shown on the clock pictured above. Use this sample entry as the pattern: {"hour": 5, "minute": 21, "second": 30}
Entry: {"hour": 12, "minute": 30, "second": 45}
